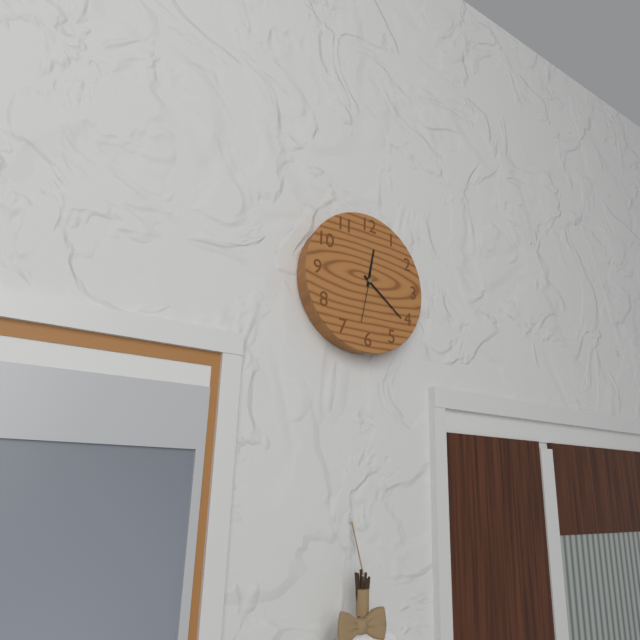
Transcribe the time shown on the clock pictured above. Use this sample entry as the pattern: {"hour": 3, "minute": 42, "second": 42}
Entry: {"hour": 12, "minute": 21, "second": 32}
